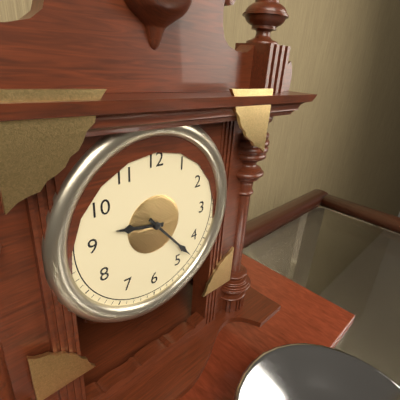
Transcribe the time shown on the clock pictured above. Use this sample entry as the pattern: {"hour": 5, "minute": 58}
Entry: {"hour": 9, "minute": 23}
